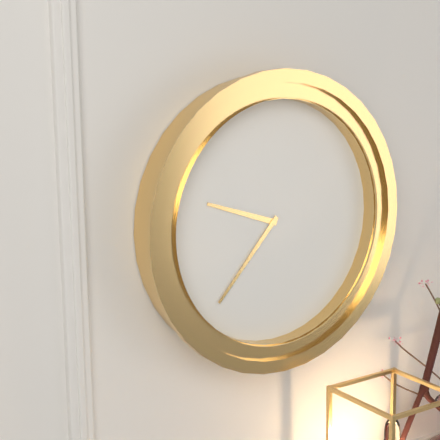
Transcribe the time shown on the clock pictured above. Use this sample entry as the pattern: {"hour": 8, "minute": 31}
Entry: {"hour": 9, "minute": 37}
